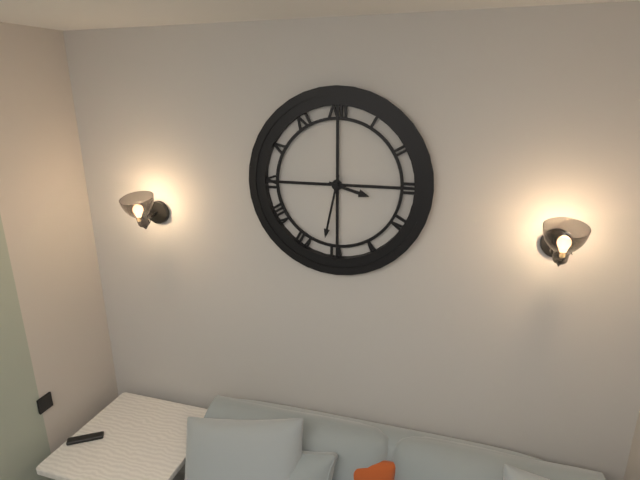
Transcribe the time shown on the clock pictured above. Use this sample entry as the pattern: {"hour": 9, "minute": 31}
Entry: {"hour": 3, "minute": 32}
